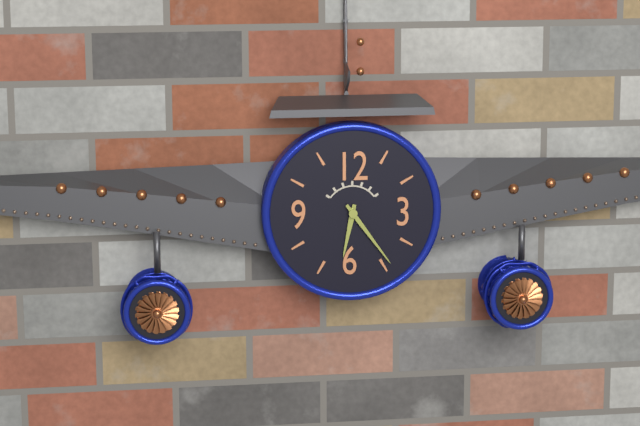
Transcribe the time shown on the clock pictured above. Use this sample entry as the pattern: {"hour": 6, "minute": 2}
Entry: {"hour": 6, "minute": 24}
